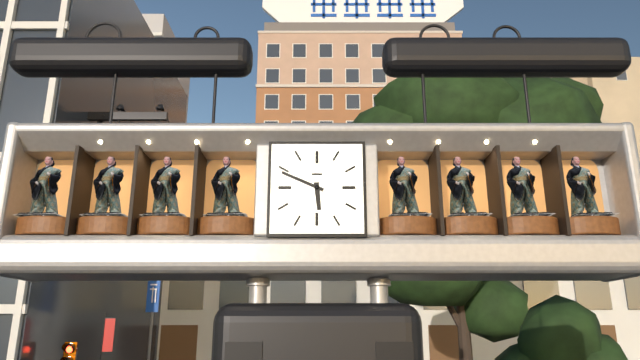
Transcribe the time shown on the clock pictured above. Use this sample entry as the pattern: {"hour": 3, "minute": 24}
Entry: {"hour": 5, "minute": 49}
